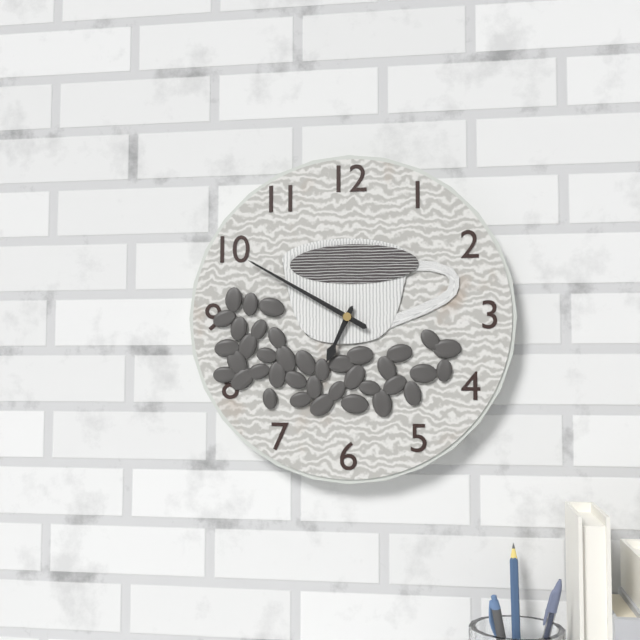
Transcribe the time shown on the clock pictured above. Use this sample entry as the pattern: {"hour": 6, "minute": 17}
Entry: {"hour": 6, "minute": 50}
